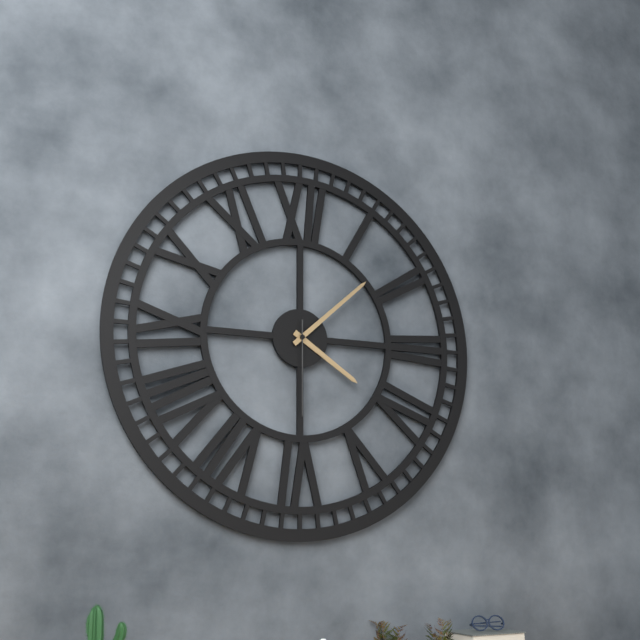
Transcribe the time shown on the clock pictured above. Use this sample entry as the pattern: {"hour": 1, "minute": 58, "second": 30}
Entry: {"hour": 4, "minute": 8, "second": 30}
